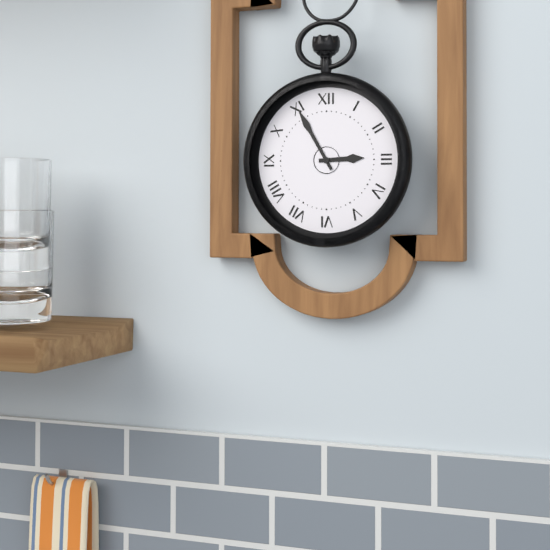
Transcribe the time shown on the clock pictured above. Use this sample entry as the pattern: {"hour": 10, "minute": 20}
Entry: {"hour": 2, "minute": 55}
